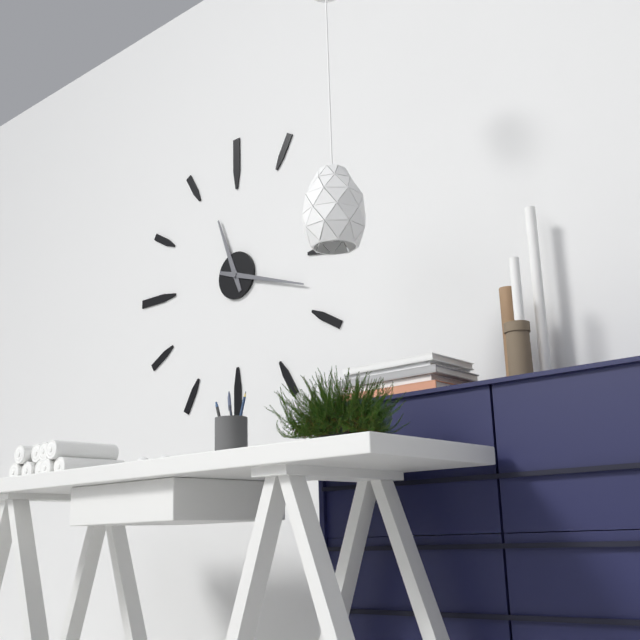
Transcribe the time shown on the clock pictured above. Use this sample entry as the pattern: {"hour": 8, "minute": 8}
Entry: {"hour": 11, "minute": 18}
